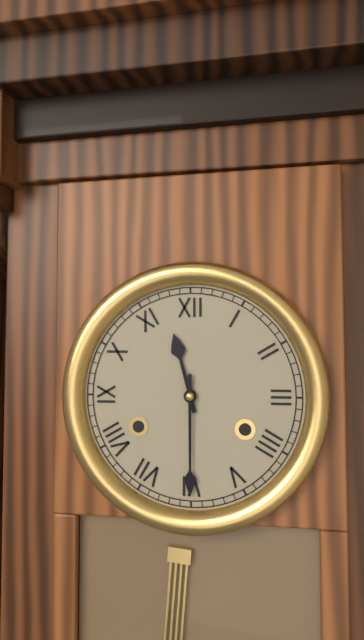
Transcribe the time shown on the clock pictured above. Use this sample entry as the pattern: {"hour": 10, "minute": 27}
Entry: {"hour": 11, "minute": 30}
